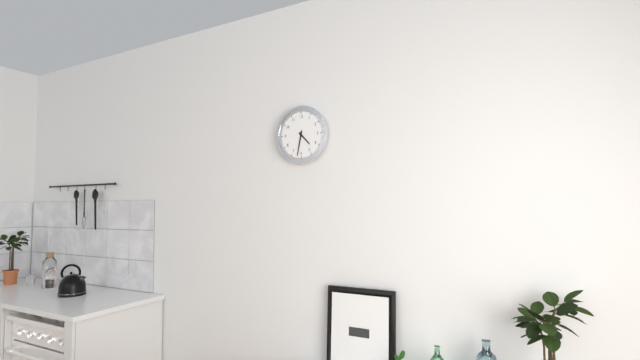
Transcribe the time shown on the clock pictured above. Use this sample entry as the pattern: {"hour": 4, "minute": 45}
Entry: {"hour": 4, "minute": 32}
